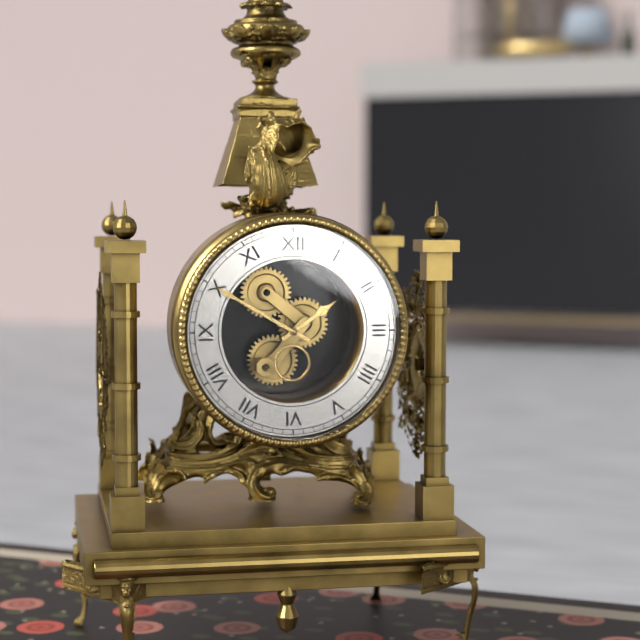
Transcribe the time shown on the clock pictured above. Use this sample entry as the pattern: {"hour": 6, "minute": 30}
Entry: {"hour": 1, "minute": 50}
